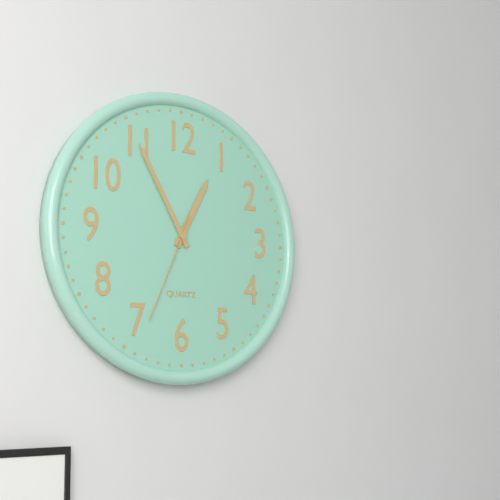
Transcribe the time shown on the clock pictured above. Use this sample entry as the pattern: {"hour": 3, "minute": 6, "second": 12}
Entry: {"hour": 12, "minute": 55, "second": 34}
